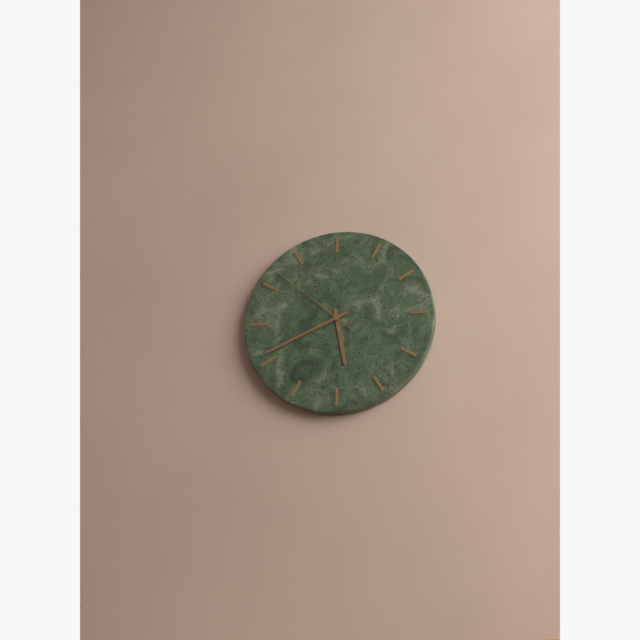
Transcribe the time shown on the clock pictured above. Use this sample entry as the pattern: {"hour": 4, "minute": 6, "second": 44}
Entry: {"hour": 5, "minute": 41, "second": 52}
